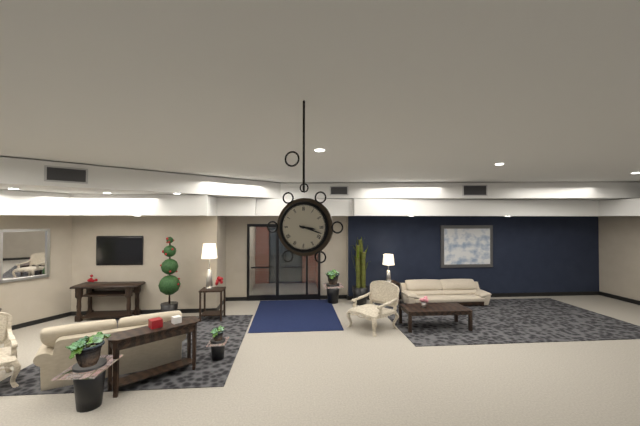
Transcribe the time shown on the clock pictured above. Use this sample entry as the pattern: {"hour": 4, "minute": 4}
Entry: {"hour": 3, "minute": 18}
